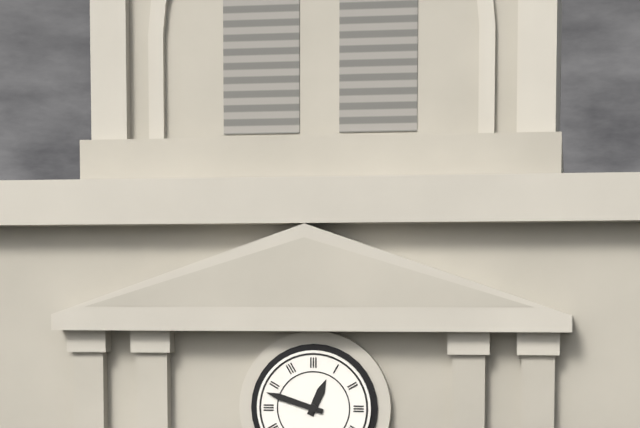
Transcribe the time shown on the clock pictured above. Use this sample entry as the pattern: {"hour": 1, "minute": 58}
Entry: {"hour": 12, "minute": 48}
